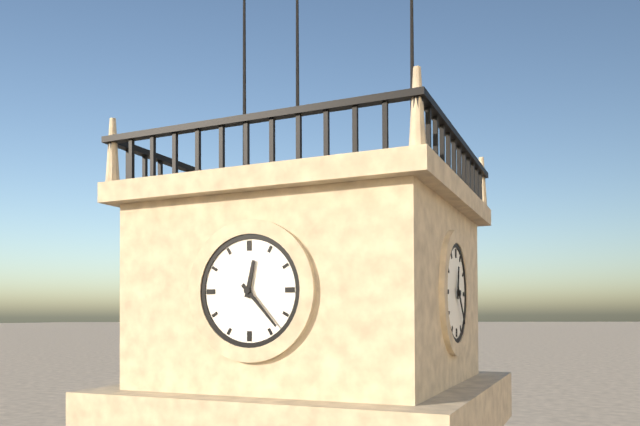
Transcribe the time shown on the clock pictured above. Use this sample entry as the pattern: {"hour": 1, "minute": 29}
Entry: {"hour": 12, "minute": 23}
